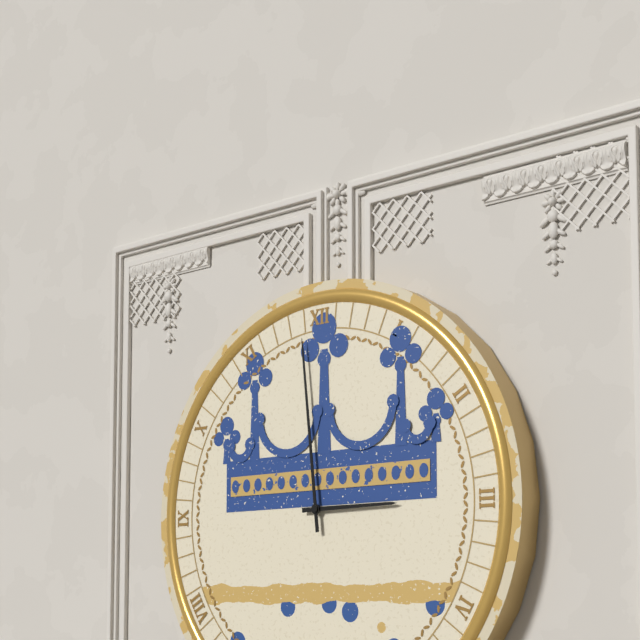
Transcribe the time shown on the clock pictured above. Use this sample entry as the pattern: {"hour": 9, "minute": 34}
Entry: {"hour": 2, "minute": 59}
